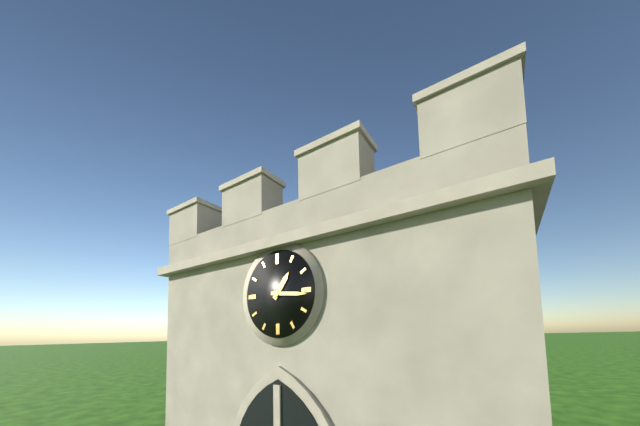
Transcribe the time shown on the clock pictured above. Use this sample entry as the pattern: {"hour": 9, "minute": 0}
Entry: {"hour": 1, "minute": 16}
